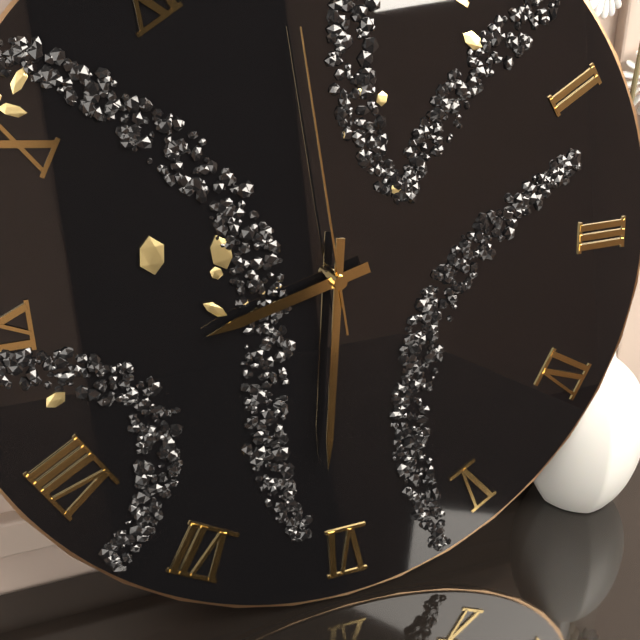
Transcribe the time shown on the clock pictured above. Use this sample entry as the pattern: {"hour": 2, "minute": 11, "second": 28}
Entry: {"hour": 8, "minute": 31, "second": 59}
